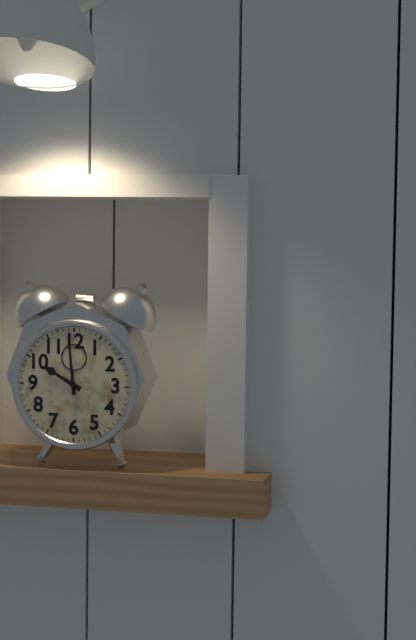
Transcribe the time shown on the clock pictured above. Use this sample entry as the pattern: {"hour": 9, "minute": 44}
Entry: {"hour": 9, "minute": 59}
